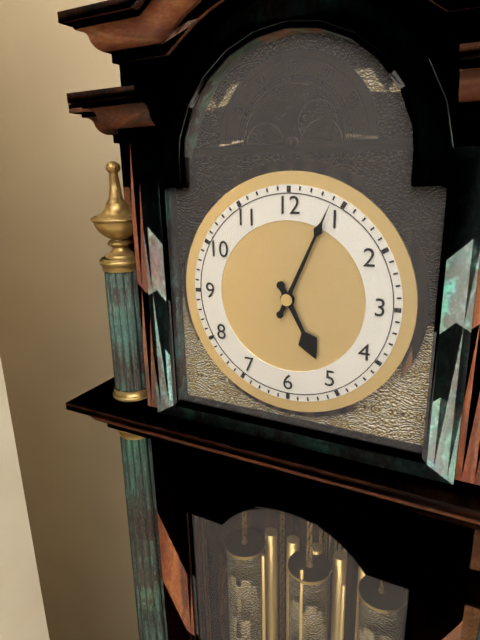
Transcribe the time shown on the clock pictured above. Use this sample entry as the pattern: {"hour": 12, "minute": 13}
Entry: {"hour": 5, "minute": 4}
